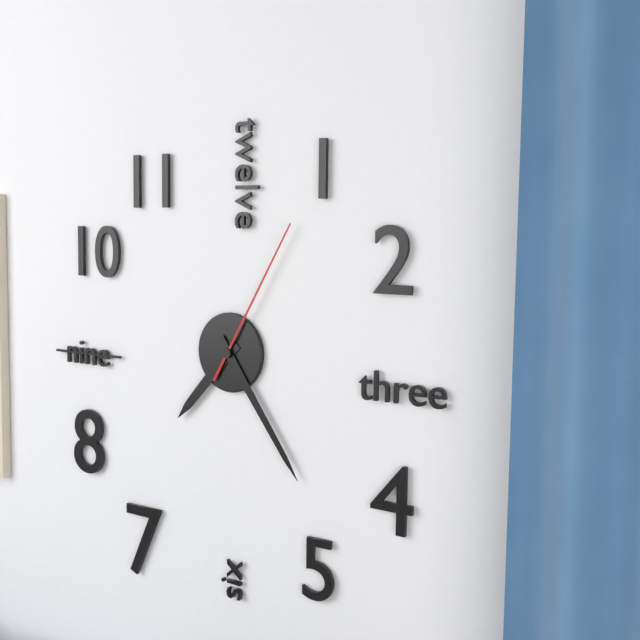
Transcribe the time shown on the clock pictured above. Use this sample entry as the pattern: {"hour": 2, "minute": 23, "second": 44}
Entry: {"hour": 7, "minute": 24, "second": 5}
